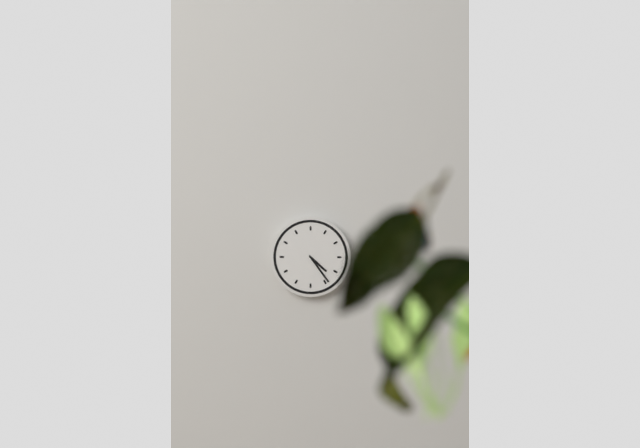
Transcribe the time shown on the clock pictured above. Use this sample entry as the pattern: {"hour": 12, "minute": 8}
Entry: {"hour": 4, "minute": 24}
